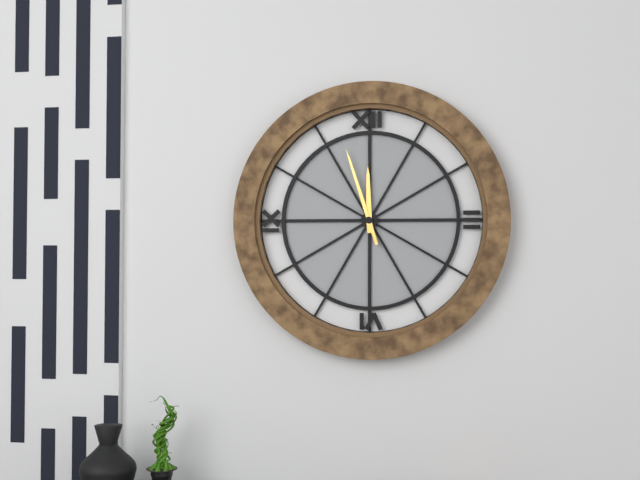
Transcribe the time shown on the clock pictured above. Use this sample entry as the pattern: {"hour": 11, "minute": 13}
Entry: {"hour": 11, "minute": 57}
